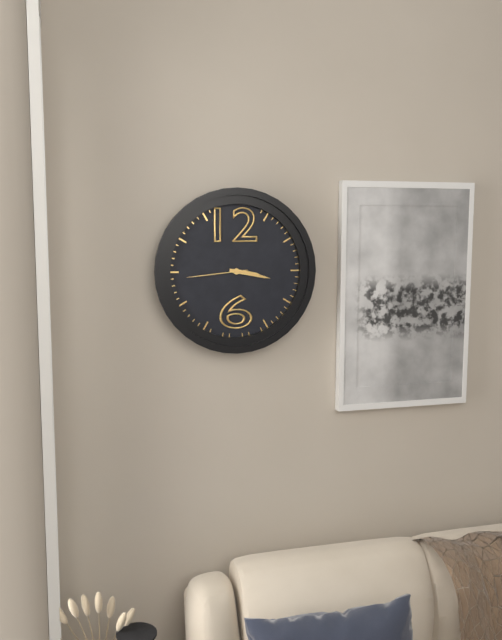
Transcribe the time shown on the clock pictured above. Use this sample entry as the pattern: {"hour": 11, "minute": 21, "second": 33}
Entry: {"hour": 3, "minute": 17, "second": 44}
